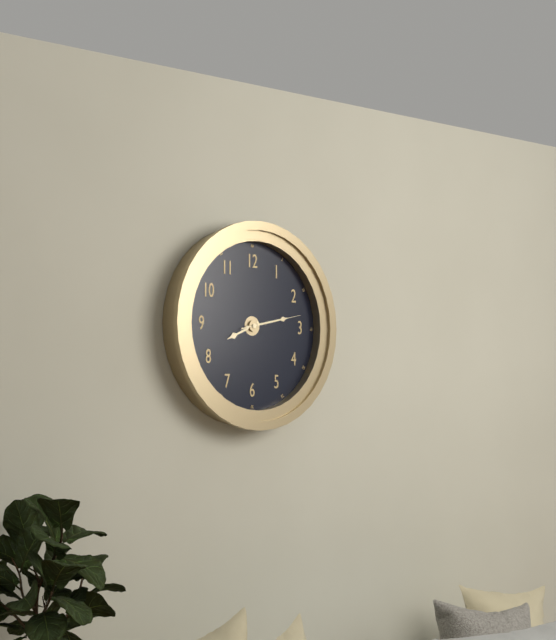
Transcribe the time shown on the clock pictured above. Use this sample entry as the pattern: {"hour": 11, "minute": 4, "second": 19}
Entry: {"hour": 8, "minute": 13, "second": 13}
